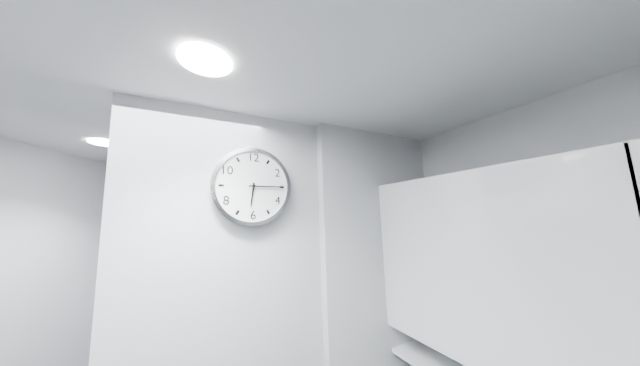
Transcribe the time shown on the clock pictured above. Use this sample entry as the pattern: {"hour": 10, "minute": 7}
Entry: {"hour": 6, "minute": 15}
